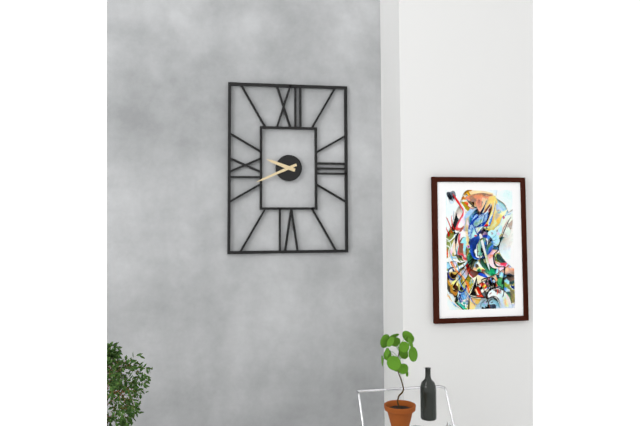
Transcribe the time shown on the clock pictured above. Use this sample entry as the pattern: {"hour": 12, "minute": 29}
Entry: {"hour": 9, "minute": 41}
